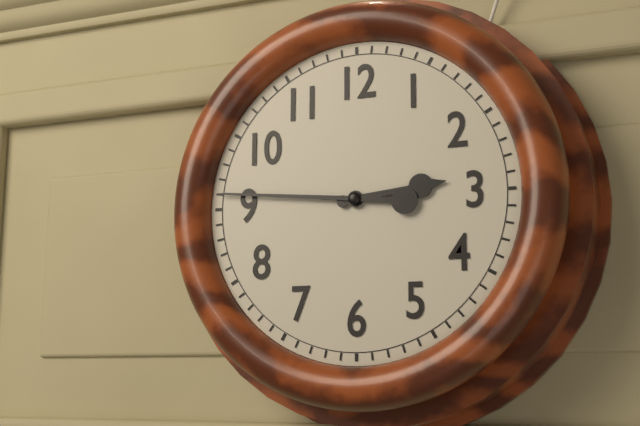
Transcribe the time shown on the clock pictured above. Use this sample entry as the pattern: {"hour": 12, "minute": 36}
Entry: {"hour": 2, "minute": 46}
